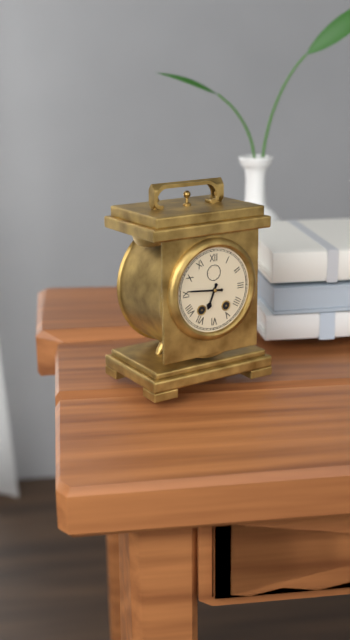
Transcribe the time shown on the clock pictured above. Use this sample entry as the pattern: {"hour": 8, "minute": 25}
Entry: {"hour": 6, "minute": 46}
